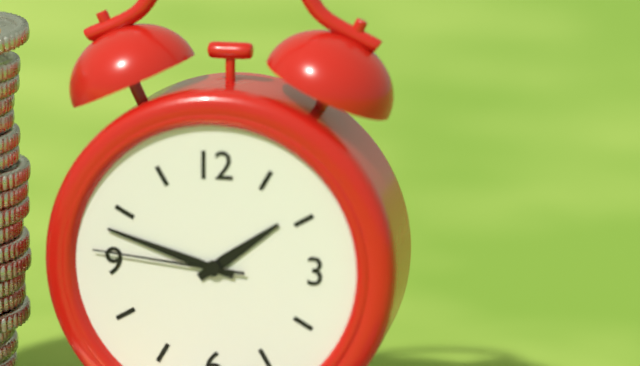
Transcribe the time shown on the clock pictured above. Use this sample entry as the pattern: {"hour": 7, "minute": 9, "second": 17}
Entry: {"hour": 1, "minute": 48, "second": 46}
